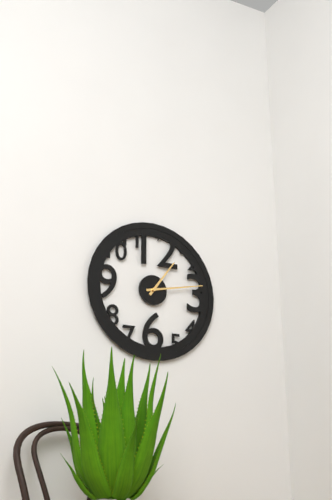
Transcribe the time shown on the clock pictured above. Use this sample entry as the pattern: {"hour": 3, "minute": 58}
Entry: {"hour": 1, "minute": 13}
